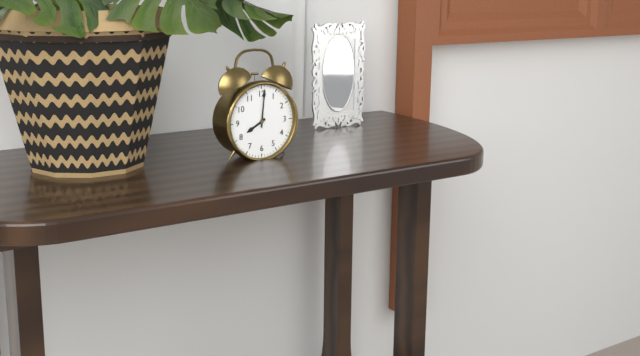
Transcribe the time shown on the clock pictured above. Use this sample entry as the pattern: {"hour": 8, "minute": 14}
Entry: {"hour": 8, "minute": 1}
